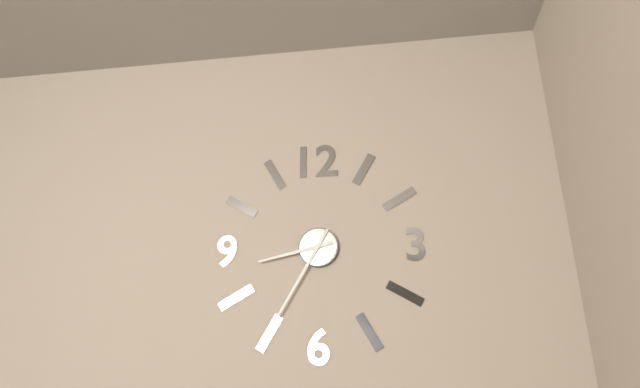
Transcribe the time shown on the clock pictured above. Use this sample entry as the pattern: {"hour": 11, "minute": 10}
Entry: {"hour": 8, "minute": 35}
